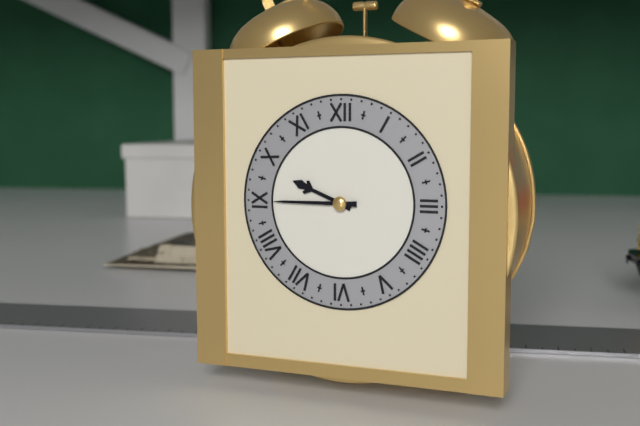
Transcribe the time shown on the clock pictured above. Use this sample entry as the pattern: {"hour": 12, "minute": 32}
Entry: {"hour": 9, "minute": 45}
